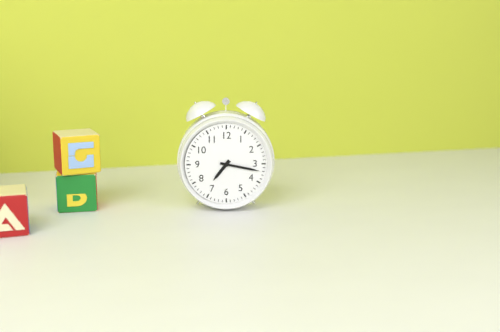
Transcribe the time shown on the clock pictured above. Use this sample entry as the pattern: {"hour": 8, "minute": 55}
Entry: {"hour": 7, "minute": 17}
